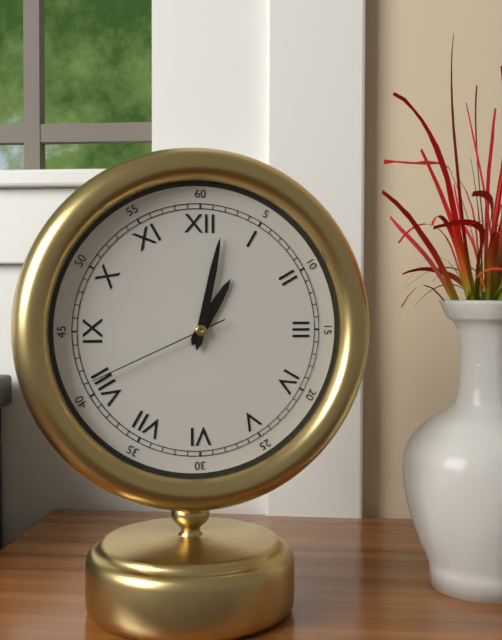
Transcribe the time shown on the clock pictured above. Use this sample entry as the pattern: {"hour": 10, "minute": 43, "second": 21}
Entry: {"hour": 1, "minute": 2, "second": 41}
